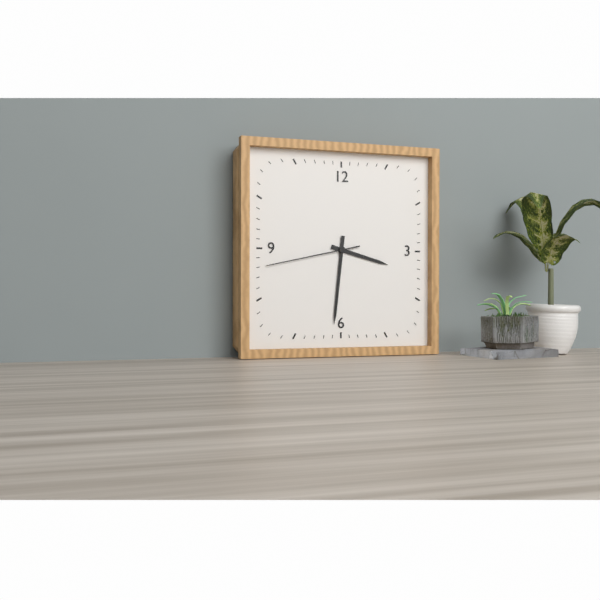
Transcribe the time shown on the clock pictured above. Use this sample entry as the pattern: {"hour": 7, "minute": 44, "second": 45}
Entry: {"hour": 3, "minute": 31, "second": 43}
